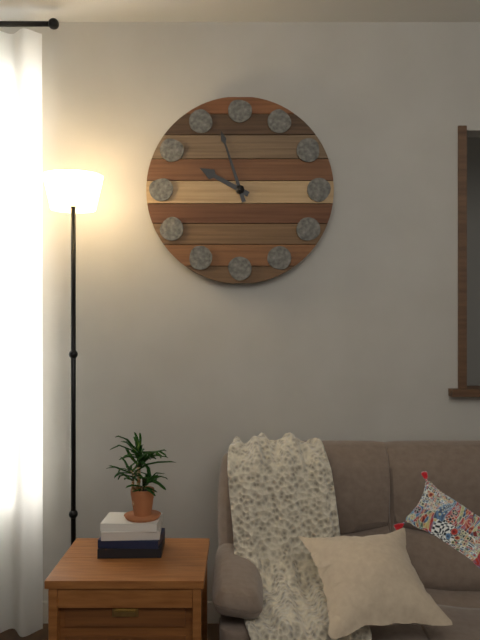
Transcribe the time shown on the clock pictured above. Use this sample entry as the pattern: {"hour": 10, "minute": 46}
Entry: {"hour": 9, "minute": 57}
